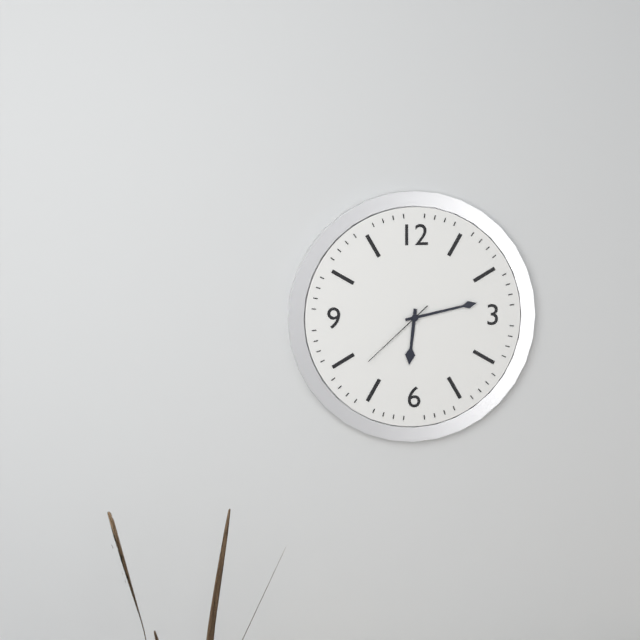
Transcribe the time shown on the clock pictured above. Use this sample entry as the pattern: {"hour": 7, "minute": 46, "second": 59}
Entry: {"hour": 6, "minute": 13, "second": 38}
